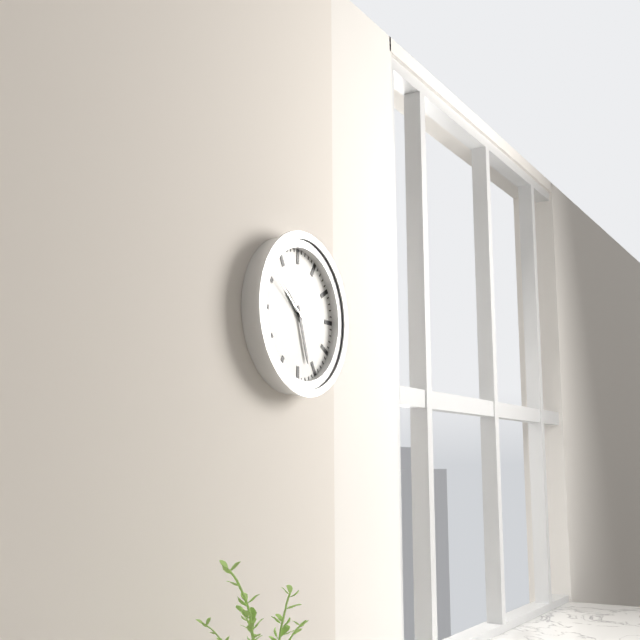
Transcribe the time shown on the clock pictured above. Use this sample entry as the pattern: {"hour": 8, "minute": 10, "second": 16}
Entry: {"hour": 10, "minute": 27, "second": 51}
